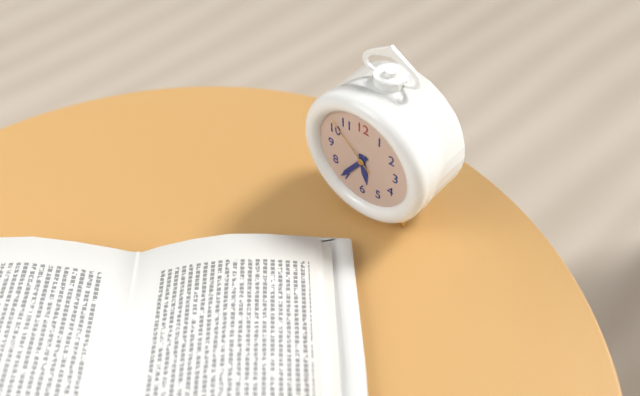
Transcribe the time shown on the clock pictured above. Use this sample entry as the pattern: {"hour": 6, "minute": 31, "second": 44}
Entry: {"hour": 5, "minute": 36, "second": 52}
